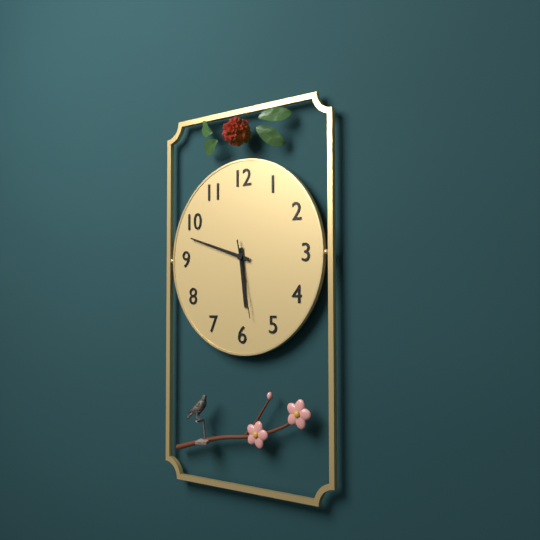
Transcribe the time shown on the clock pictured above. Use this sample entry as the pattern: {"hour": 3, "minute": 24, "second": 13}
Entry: {"hour": 5, "minute": 48, "second": 28}
